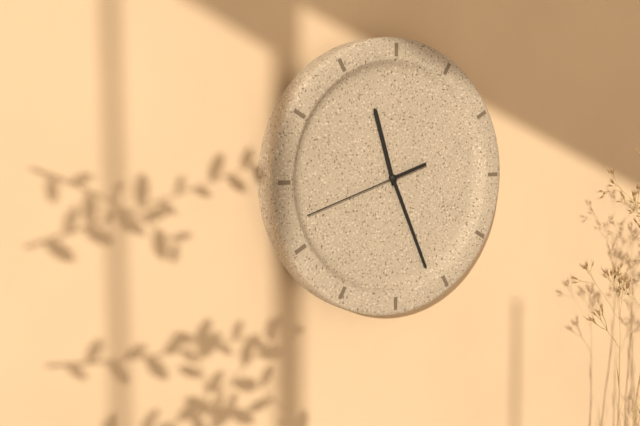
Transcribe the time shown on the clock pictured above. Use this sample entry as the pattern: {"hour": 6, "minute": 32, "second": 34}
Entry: {"hour": 11, "minute": 26, "second": 42}
